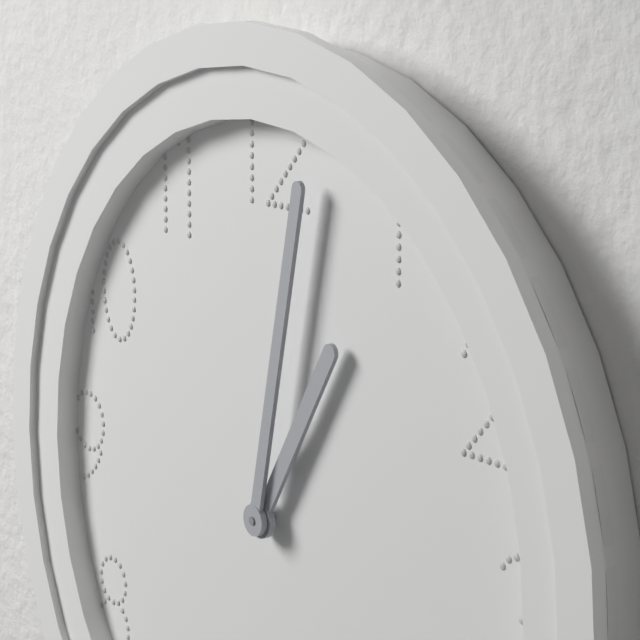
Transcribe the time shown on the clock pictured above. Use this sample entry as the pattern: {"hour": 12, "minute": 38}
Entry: {"hour": 1, "minute": 2}
